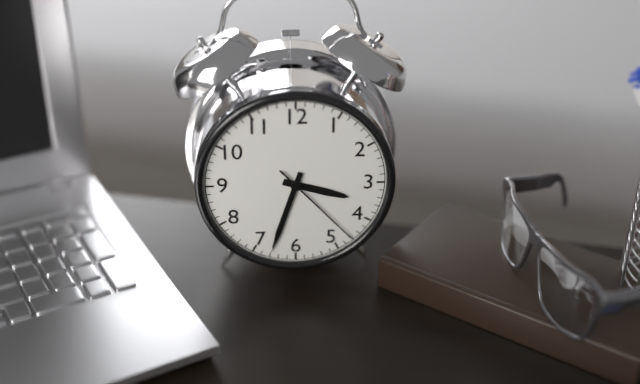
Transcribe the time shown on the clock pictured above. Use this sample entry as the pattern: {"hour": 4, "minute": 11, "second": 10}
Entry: {"hour": 3, "minute": 33, "second": 23}
